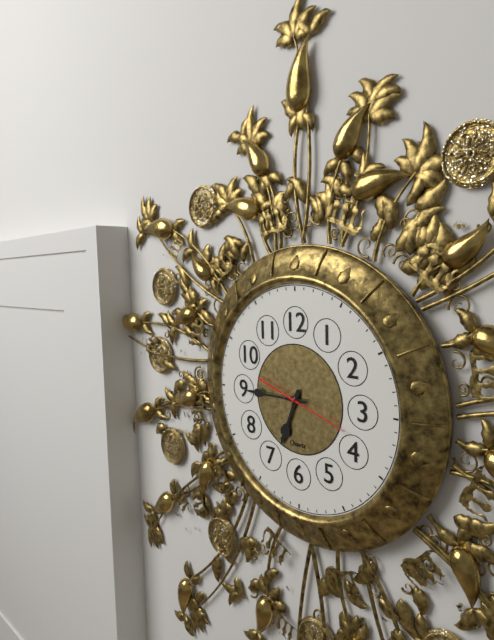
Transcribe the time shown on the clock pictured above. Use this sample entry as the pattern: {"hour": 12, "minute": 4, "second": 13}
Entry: {"hour": 6, "minute": 45, "second": 18}
